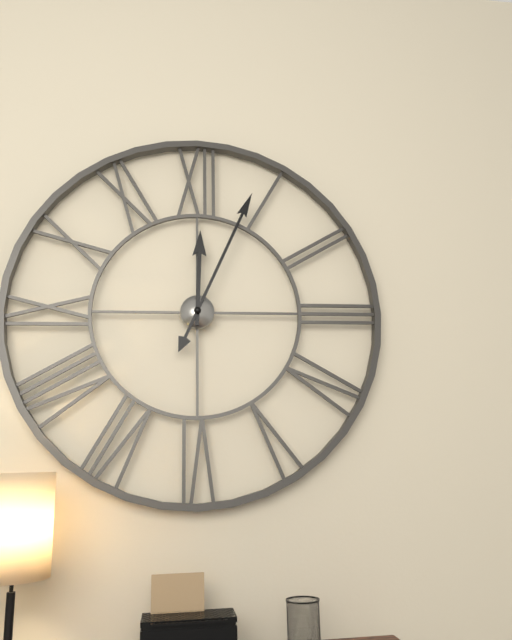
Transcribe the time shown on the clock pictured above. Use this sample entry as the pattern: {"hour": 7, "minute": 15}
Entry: {"hour": 12, "minute": 4}
